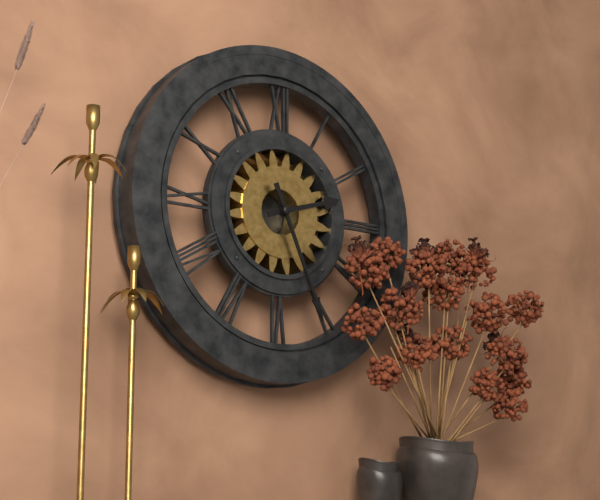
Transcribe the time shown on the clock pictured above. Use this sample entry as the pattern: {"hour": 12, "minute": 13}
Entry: {"hour": 2, "minute": 26}
